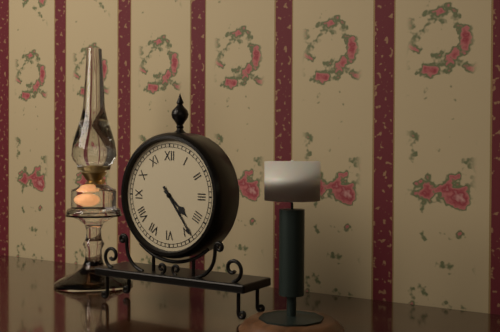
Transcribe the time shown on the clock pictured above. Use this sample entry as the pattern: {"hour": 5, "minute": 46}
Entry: {"hour": 4, "minute": 24}
